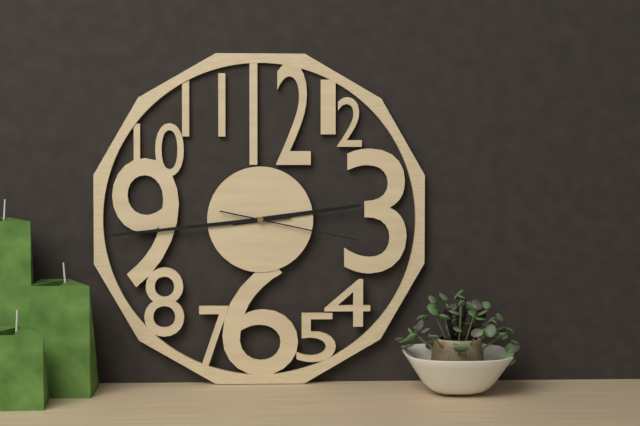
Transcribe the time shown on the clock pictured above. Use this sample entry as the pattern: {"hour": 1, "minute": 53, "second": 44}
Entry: {"hour": 2, "minute": 44, "second": 17}
